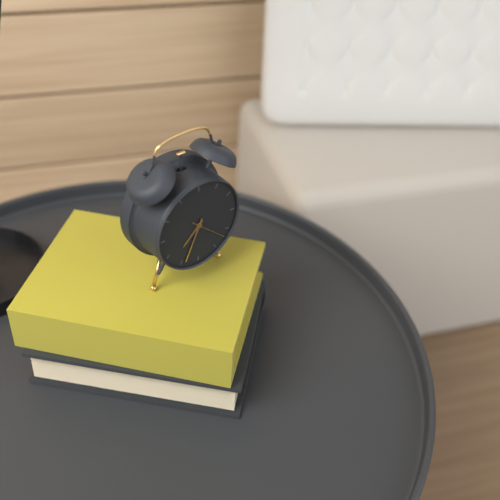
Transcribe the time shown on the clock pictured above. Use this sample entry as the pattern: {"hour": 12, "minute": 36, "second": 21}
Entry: {"hour": 7, "minute": 34, "second": 22}
